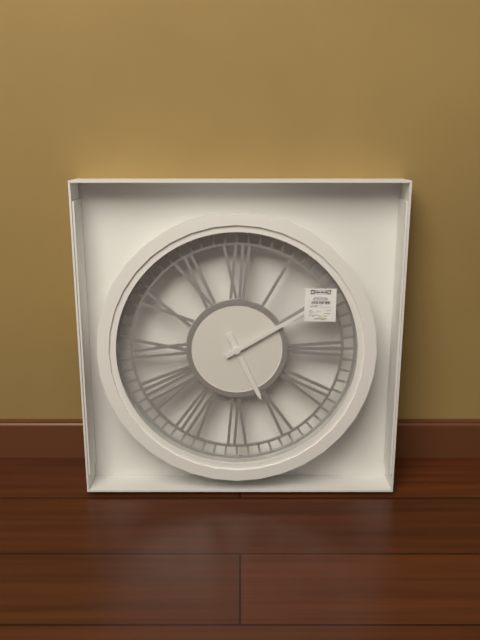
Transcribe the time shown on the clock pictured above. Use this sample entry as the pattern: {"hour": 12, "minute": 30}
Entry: {"hour": 5, "minute": 10}
